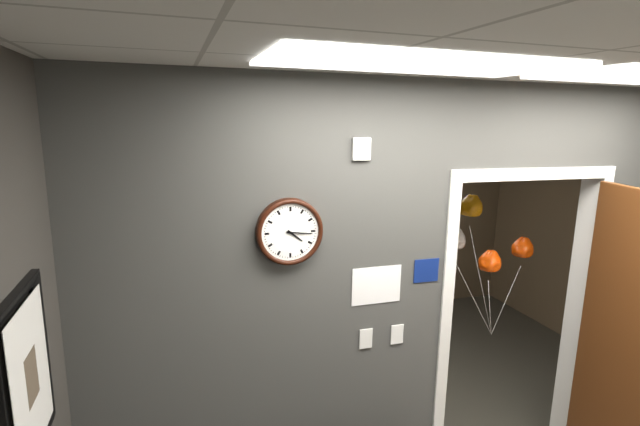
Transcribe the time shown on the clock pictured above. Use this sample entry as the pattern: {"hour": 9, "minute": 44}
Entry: {"hour": 4, "minute": 16}
